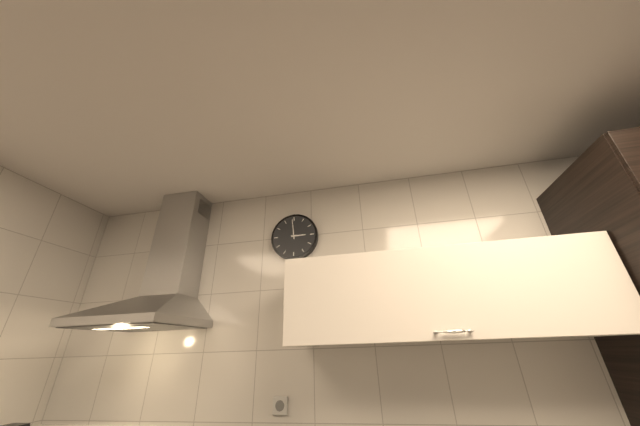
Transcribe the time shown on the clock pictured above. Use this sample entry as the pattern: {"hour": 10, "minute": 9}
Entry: {"hour": 2, "minute": 59}
